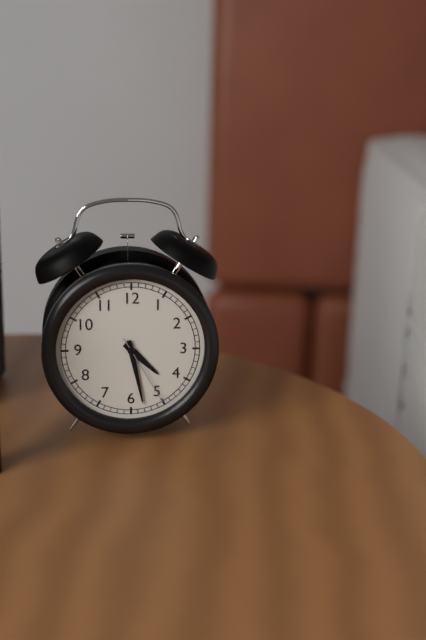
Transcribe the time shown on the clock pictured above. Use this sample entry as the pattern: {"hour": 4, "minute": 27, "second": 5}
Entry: {"hour": 4, "minute": 28, "second": 25}
